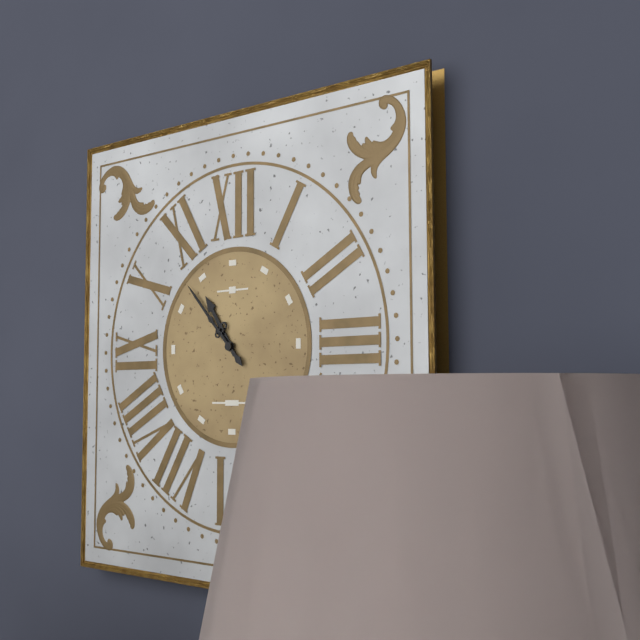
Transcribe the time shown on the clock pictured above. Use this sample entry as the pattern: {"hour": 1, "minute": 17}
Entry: {"hour": 10, "minute": 53}
